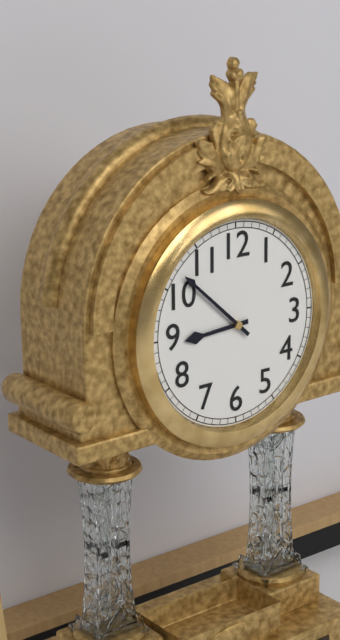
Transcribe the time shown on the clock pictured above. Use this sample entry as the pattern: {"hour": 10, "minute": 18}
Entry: {"hour": 8, "minute": 52}
